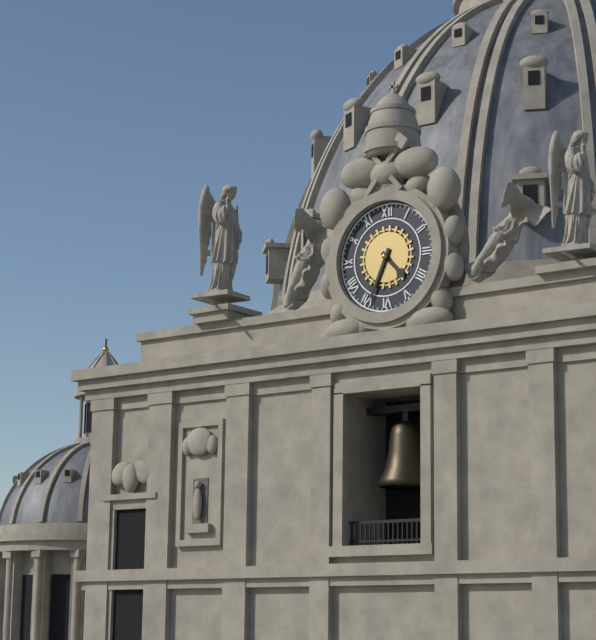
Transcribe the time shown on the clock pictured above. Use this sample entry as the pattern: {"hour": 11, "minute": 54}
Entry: {"hour": 4, "minute": 34}
